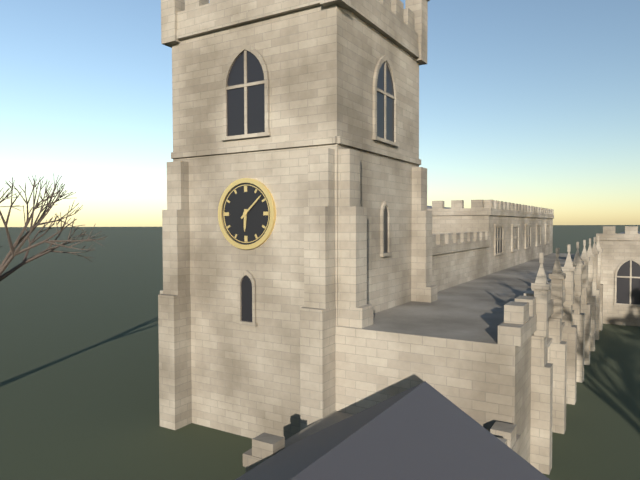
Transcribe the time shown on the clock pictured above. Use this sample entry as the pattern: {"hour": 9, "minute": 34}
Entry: {"hour": 6, "minute": 8}
